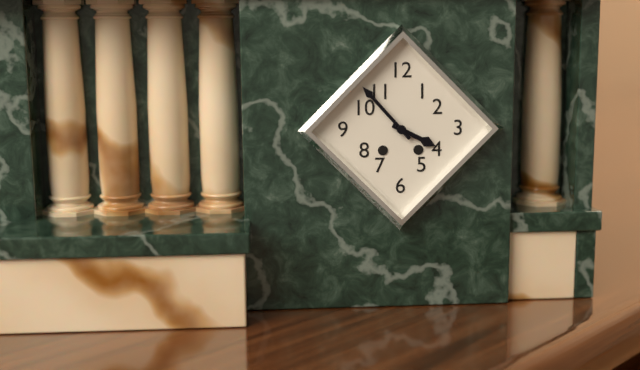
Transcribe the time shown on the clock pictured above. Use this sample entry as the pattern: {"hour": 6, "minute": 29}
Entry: {"hour": 3, "minute": 53}
